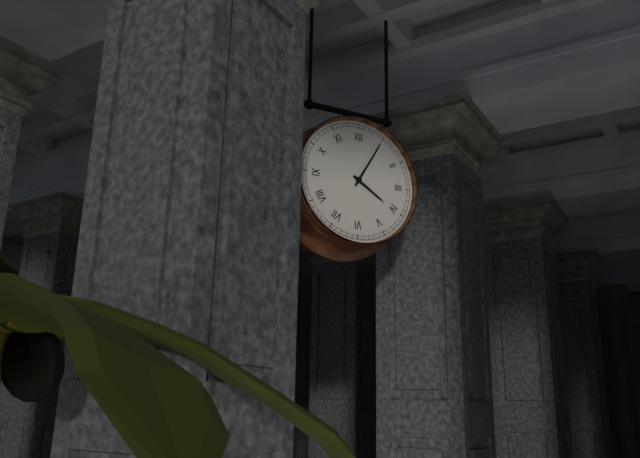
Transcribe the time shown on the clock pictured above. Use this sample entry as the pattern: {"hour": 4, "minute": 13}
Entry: {"hour": 4, "minute": 5}
